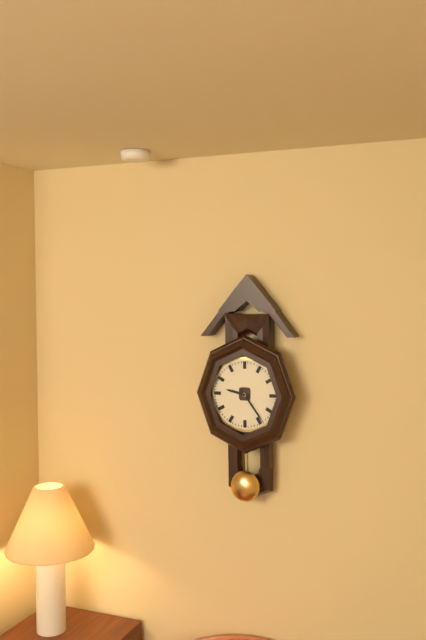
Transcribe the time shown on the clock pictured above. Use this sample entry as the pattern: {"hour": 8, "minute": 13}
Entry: {"hour": 9, "minute": 24}
